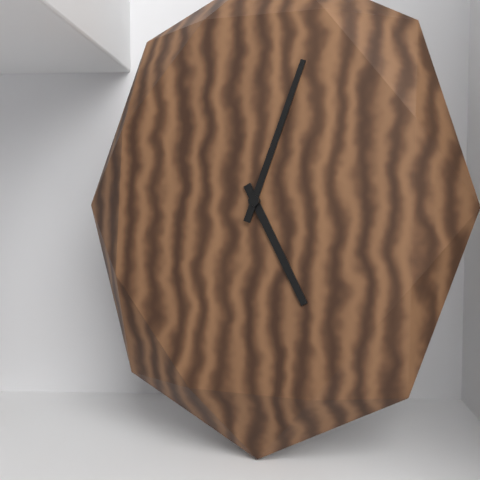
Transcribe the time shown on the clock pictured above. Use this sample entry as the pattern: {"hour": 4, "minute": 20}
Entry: {"hour": 5, "minute": 3}
